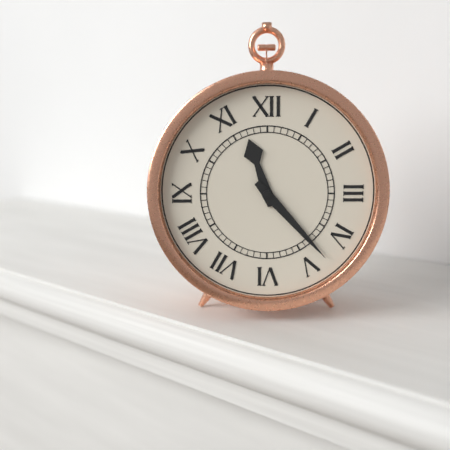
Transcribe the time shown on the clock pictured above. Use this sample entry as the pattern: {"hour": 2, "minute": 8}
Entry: {"hour": 11, "minute": 23}
